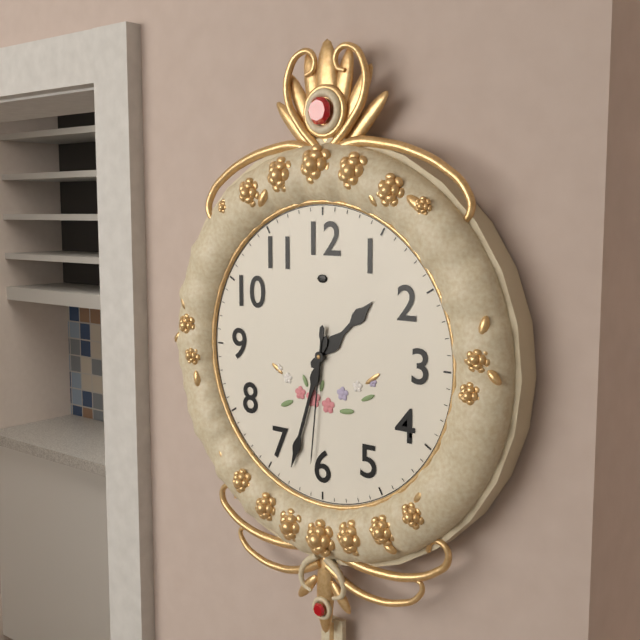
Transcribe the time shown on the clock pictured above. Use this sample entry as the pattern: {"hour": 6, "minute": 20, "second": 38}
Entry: {"hour": 1, "minute": 33, "second": 31}
